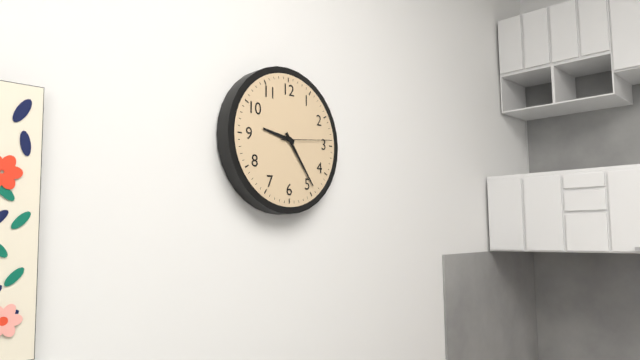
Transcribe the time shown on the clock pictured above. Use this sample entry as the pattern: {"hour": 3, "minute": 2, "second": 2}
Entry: {"hour": 9, "minute": 24, "second": 14}
